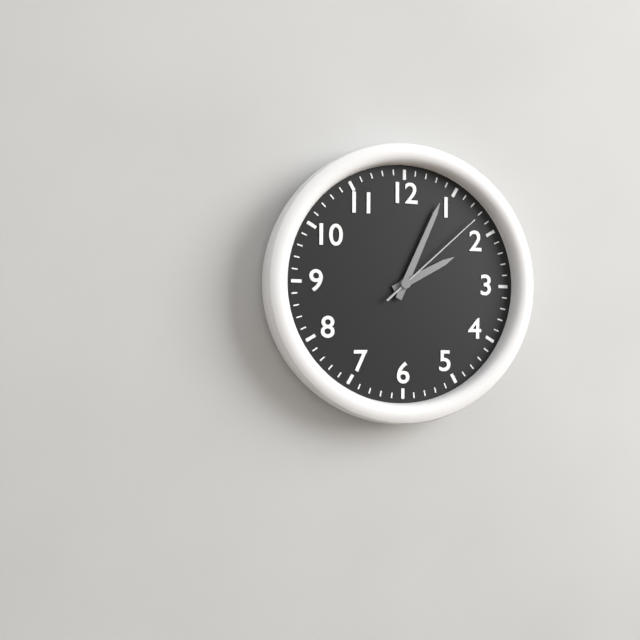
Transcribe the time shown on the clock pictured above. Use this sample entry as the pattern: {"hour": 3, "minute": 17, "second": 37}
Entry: {"hour": 2, "minute": 4, "second": 8}
